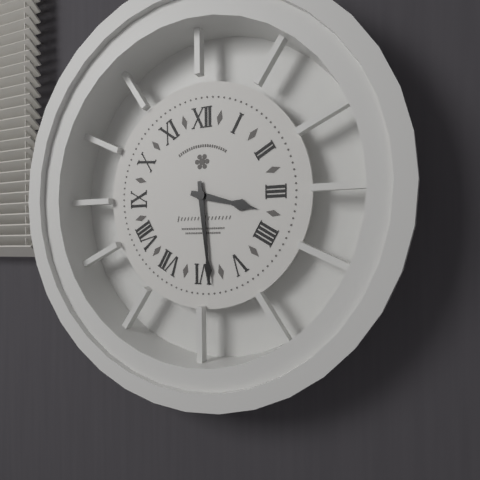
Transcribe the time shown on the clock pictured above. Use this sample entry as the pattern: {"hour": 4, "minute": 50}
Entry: {"hour": 3, "minute": 29}
